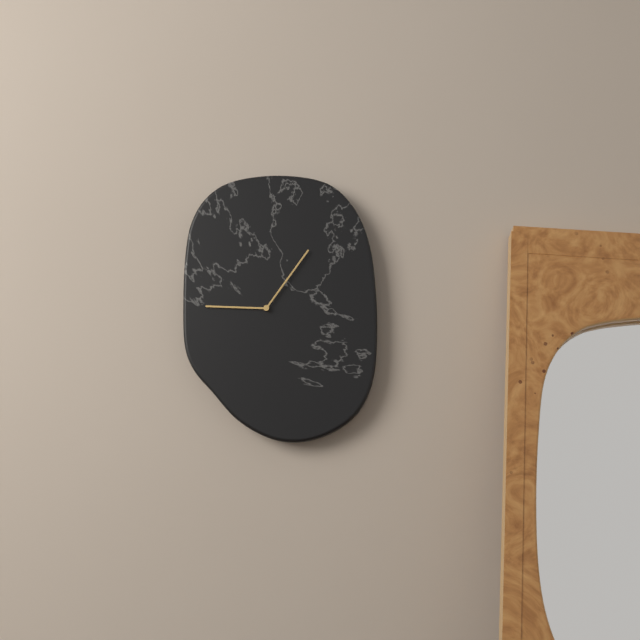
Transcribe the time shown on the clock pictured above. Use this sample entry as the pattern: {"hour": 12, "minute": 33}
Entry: {"hour": 9, "minute": 6}
